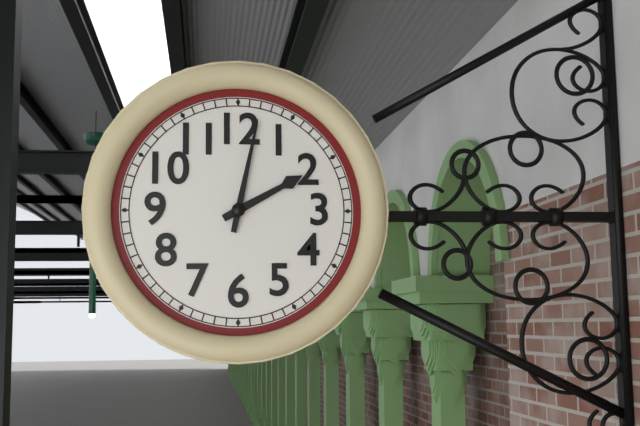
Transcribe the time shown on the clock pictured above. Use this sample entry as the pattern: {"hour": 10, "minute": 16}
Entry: {"hour": 2, "minute": 2}
